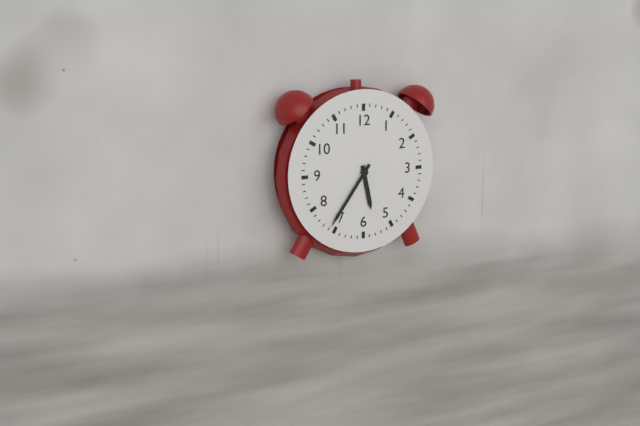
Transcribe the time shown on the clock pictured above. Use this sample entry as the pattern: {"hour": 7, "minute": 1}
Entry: {"hour": 5, "minute": 36}
